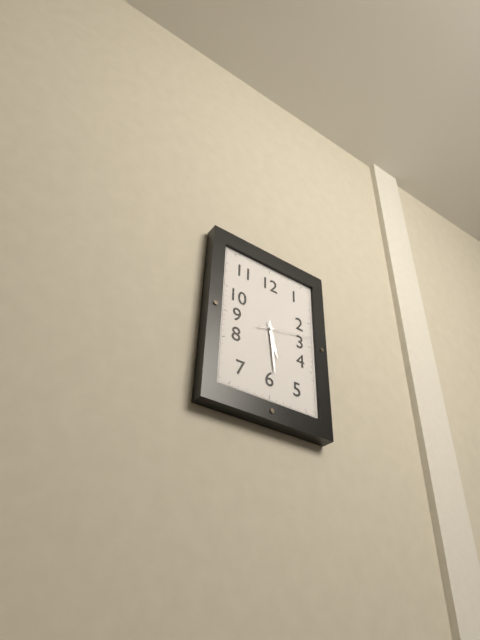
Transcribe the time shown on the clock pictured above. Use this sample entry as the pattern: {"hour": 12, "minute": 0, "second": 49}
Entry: {"hour": 5, "minute": 29, "second": 13}
